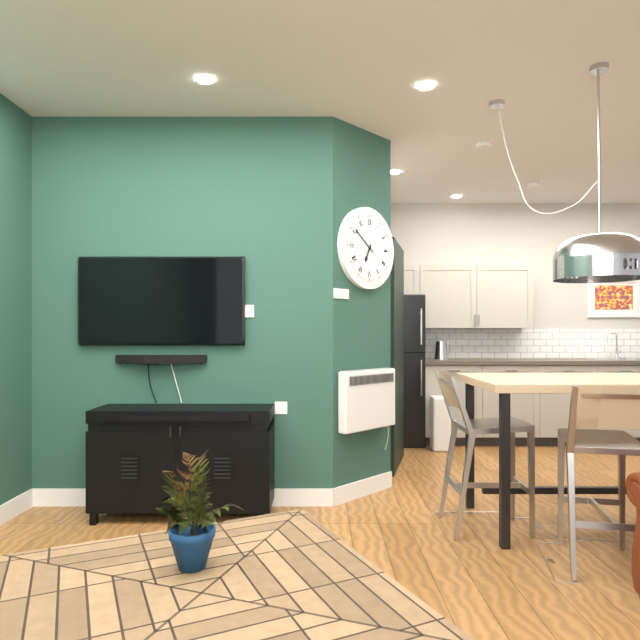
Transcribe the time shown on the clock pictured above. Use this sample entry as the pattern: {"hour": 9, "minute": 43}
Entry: {"hour": 6, "minute": 51}
